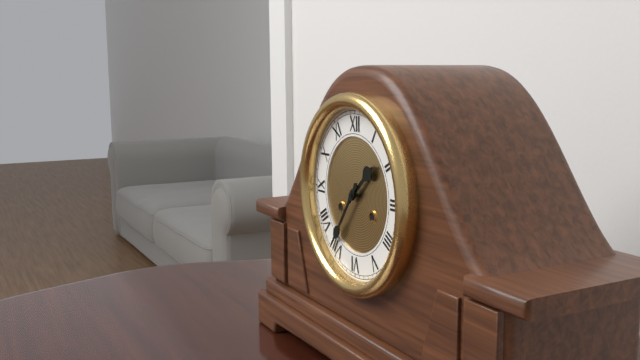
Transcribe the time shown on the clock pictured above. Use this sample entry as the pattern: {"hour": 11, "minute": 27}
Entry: {"hour": 1, "minute": 36}
